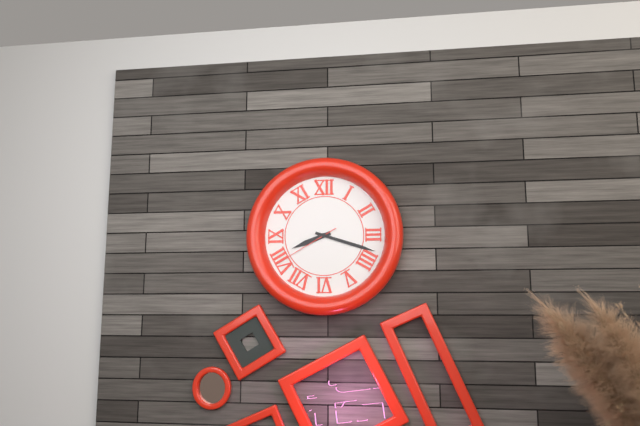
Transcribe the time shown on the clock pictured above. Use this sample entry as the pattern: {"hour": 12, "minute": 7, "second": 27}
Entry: {"hour": 8, "minute": 18, "second": 40}
